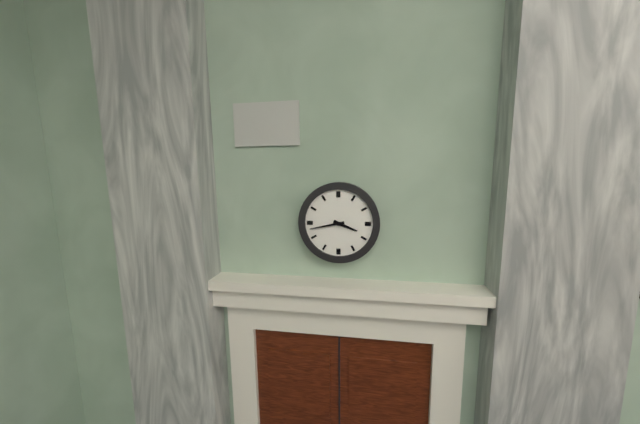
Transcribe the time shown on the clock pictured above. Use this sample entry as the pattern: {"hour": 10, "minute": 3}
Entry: {"hour": 3, "minute": 43}
